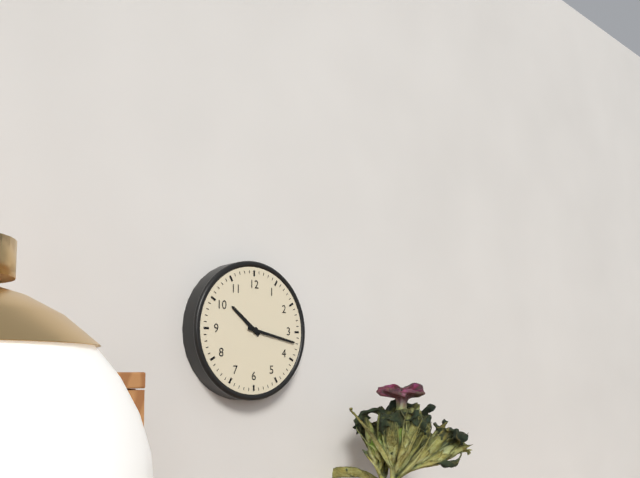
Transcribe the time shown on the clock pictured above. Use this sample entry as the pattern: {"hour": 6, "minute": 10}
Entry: {"hour": 10, "minute": 17}
